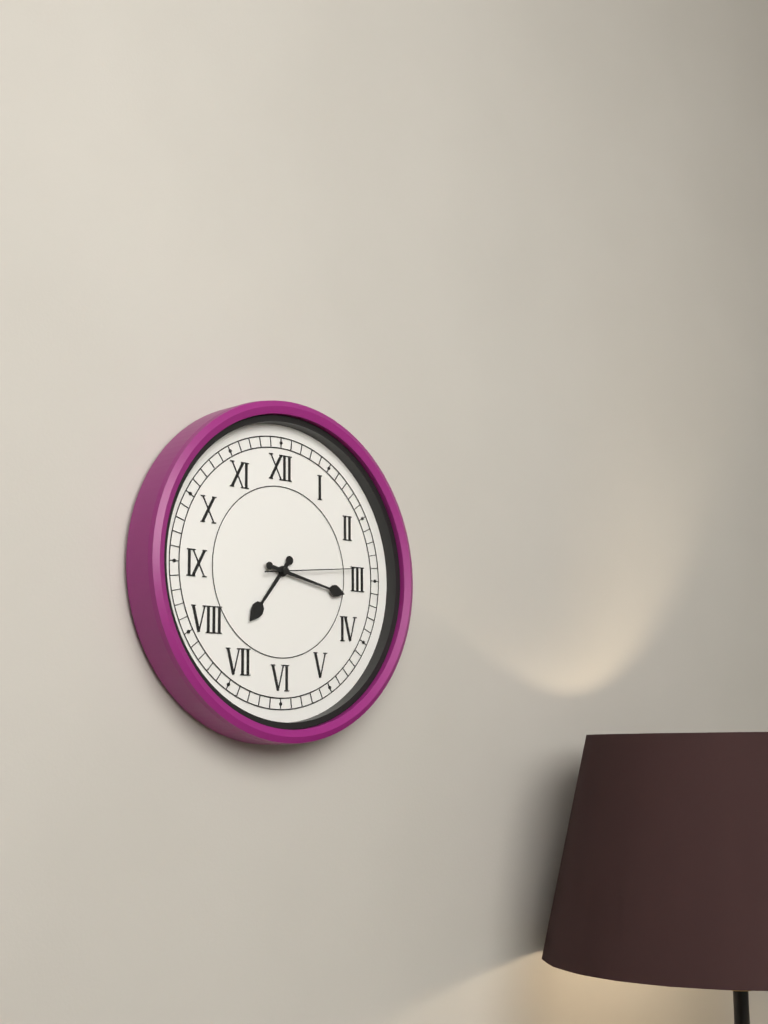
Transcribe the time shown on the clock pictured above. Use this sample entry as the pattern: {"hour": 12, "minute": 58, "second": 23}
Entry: {"hour": 7, "minute": 17, "second": 14}
